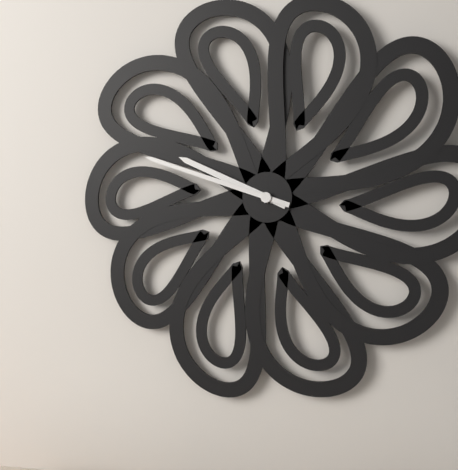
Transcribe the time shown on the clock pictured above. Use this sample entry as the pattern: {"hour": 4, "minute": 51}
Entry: {"hour": 9, "minute": 48}
